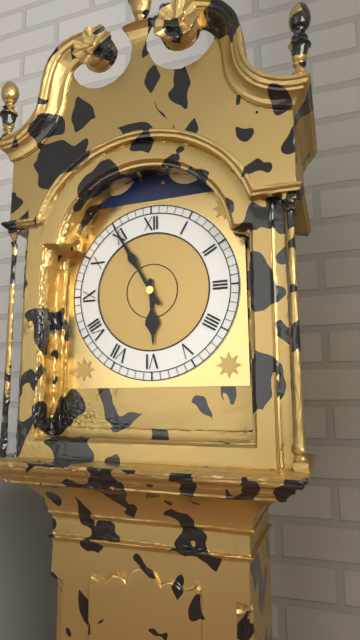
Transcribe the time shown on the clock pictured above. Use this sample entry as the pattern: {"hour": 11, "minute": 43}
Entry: {"hour": 5, "minute": 55}
